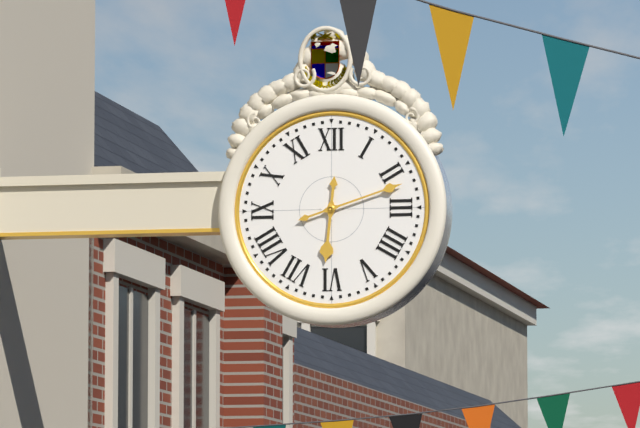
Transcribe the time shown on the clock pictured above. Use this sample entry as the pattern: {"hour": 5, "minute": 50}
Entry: {"hour": 6, "minute": 12}
